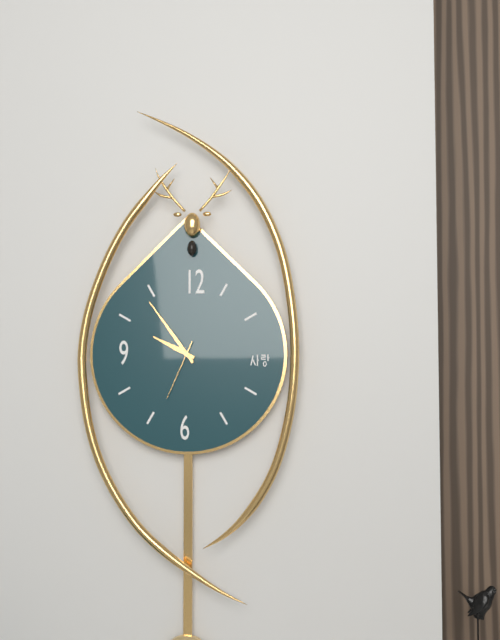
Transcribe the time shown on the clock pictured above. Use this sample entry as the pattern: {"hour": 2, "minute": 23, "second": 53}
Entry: {"hour": 9, "minute": 54, "second": 34}
